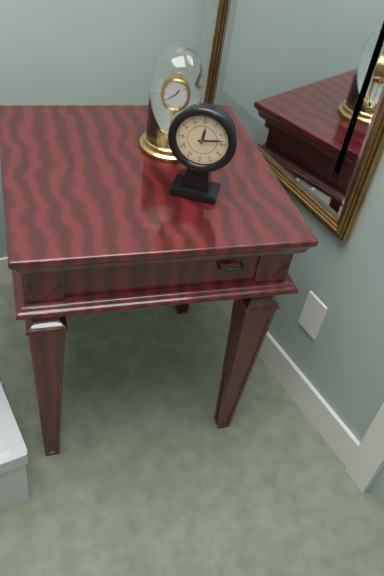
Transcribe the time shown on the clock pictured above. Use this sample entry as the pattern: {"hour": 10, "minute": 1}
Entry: {"hour": 12, "minute": 13}
